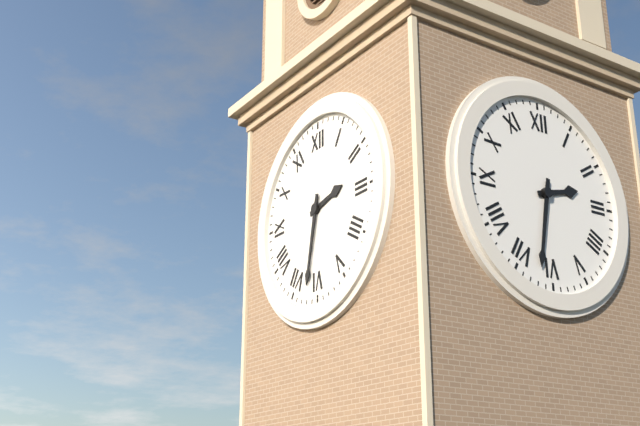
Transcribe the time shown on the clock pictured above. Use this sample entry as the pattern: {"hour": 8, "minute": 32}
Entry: {"hour": 2, "minute": 32}
